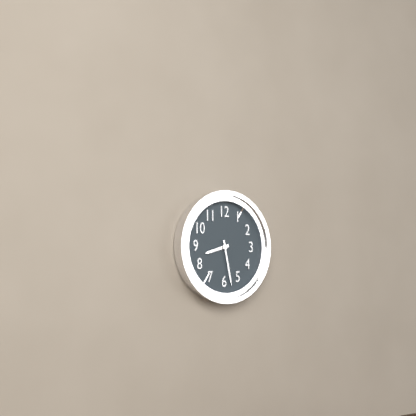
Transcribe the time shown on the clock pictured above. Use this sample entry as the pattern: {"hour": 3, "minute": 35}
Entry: {"hour": 8, "minute": 28}
